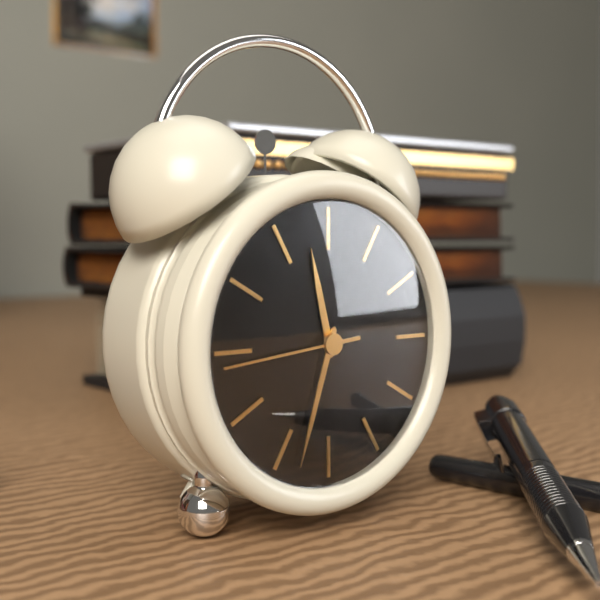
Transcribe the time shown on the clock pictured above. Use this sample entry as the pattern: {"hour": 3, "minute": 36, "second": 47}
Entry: {"hour": 11, "minute": 33, "second": 44}
